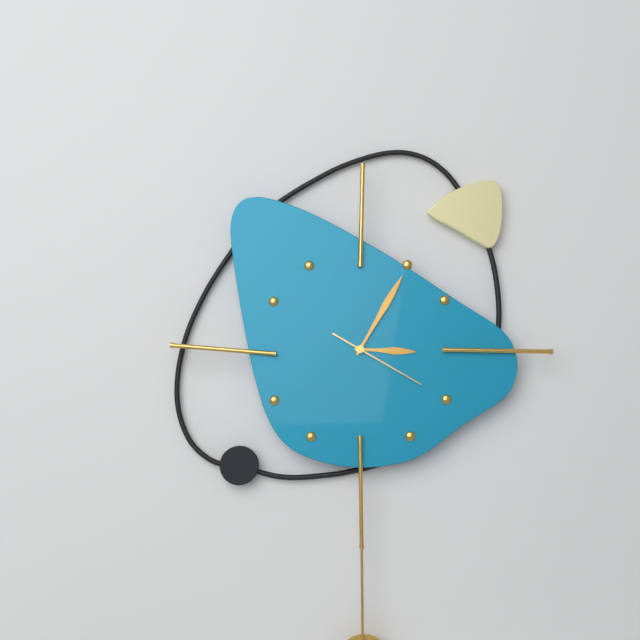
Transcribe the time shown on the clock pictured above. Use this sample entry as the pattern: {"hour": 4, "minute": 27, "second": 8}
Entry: {"hour": 3, "minute": 5, "second": 20}
